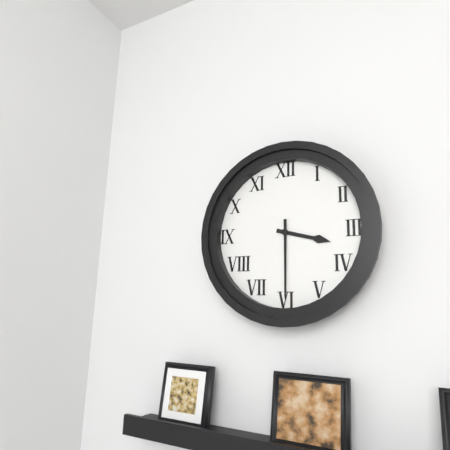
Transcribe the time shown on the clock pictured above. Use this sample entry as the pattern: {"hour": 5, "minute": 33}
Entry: {"hour": 3, "minute": 30}
